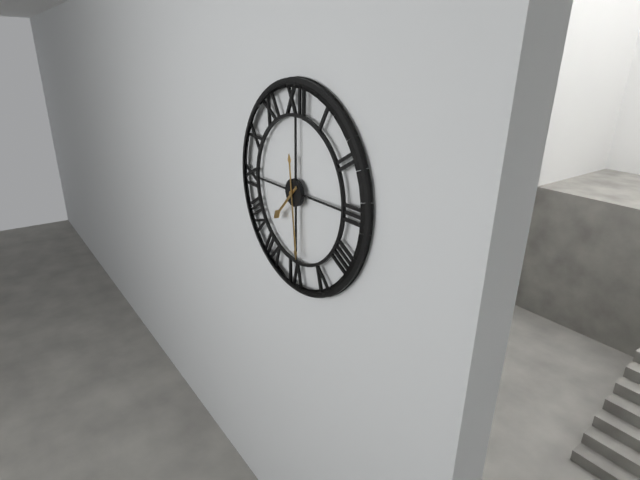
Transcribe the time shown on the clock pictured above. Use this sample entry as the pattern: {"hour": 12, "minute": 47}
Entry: {"hour": 7, "minute": 29}
